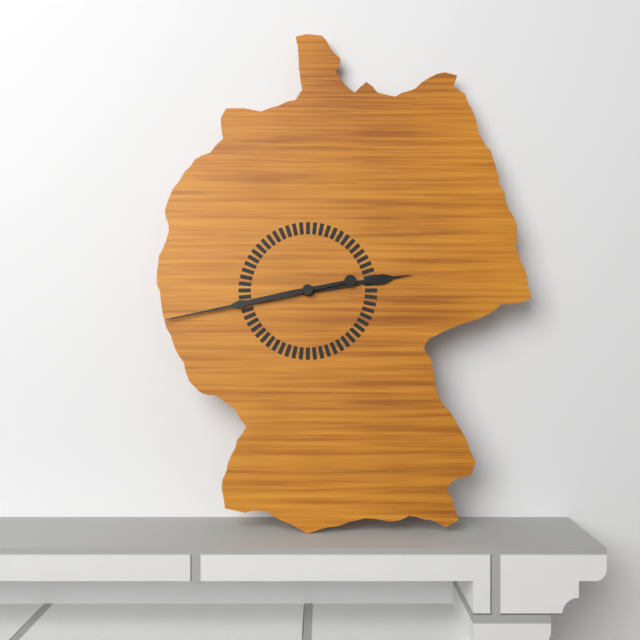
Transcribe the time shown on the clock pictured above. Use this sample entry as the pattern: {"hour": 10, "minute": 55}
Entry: {"hour": 2, "minute": 43}
